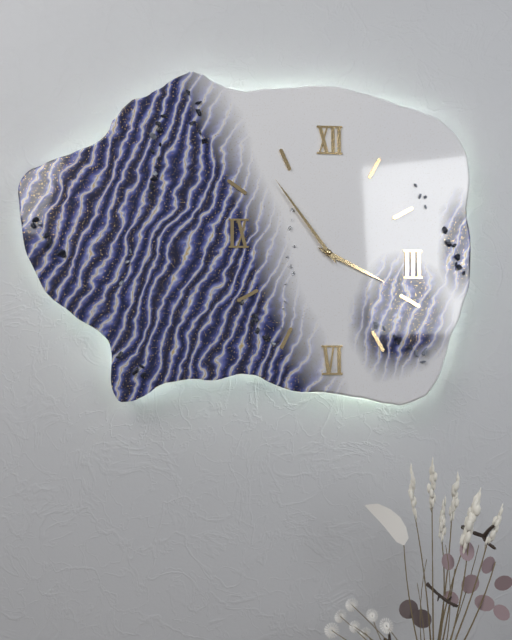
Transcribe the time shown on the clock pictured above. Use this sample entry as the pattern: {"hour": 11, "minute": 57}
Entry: {"hour": 3, "minute": 54}
